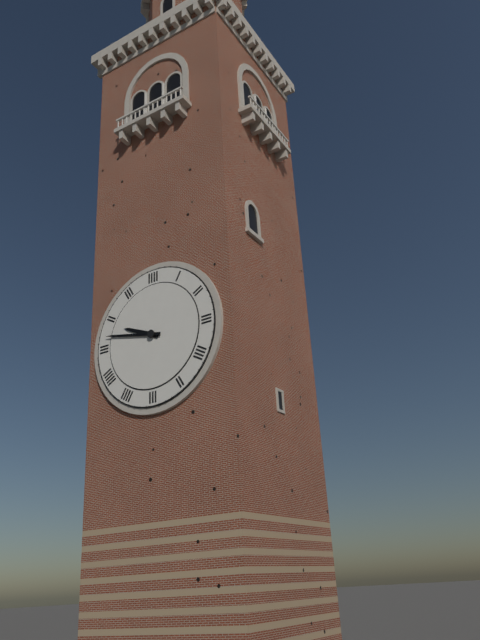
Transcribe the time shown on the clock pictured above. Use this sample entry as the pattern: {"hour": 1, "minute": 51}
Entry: {"hour": 9, "minute": 47}
